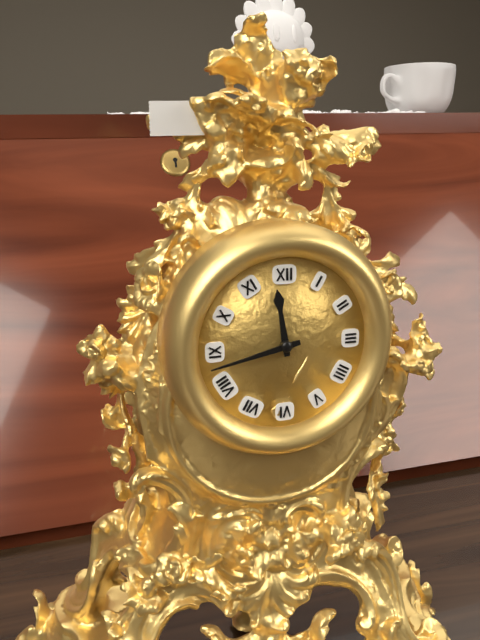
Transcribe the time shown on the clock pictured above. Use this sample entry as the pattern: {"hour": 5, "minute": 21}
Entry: {"hour": 11, "minute": 43}
